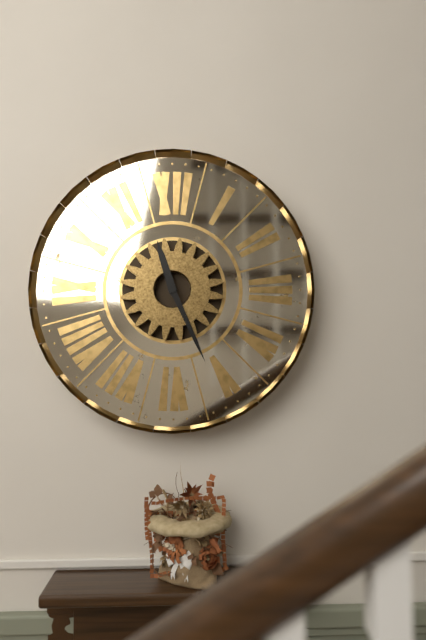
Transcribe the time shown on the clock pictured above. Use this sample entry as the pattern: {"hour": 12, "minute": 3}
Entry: {"hour": 11, "minute": 26}
